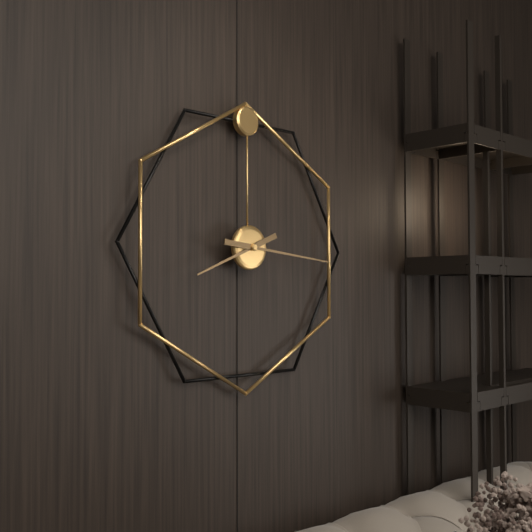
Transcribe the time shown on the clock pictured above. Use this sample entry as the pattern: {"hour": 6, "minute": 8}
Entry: {"hour": 8, "minute": 16}
